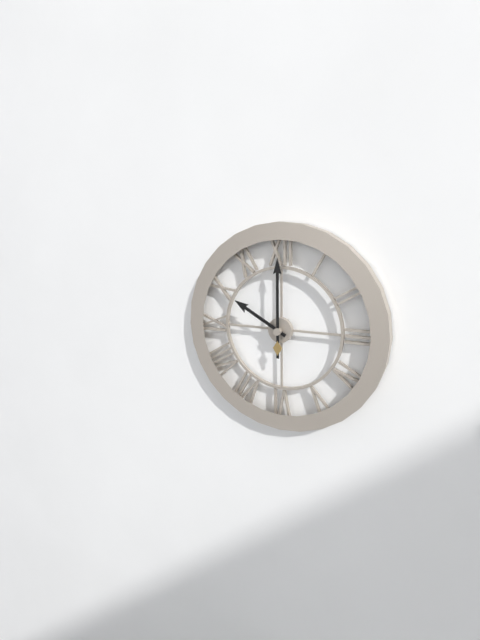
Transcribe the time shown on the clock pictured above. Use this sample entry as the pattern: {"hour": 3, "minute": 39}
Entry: {"hour": 10, "minute": 0}
